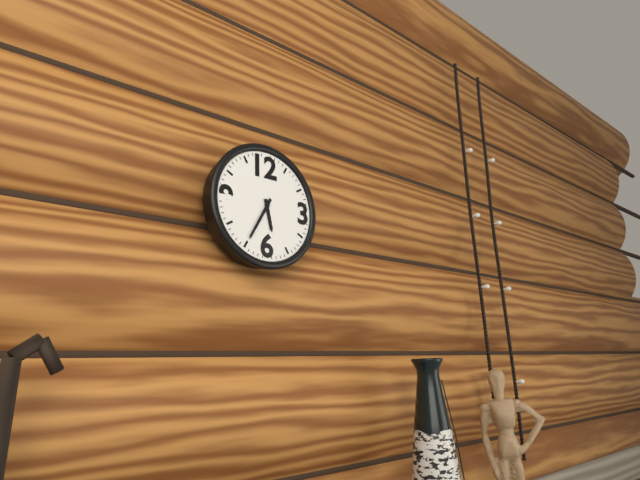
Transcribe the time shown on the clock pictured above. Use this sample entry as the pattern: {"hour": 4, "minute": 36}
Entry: {"hour": 5, "minute": 35}
